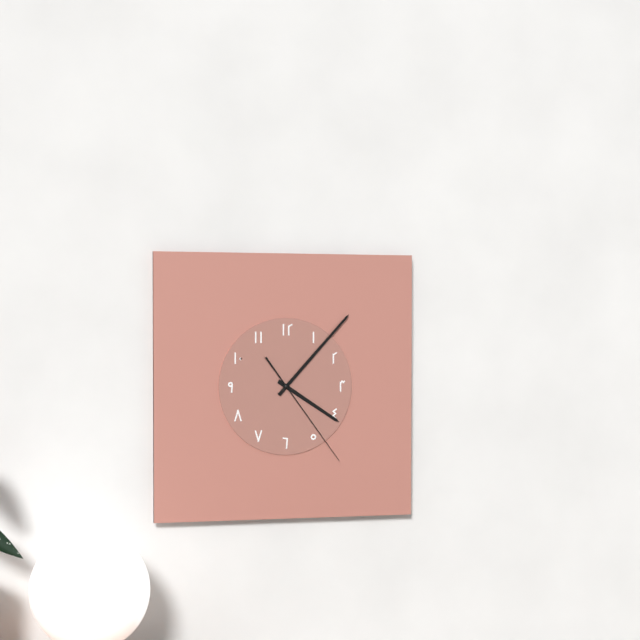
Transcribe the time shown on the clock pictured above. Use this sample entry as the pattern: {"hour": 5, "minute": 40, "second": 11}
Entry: {"hour": 4, "minute": 7, "second": 24}
